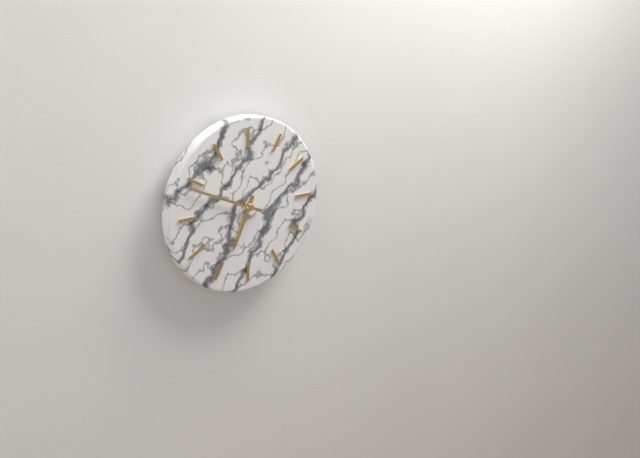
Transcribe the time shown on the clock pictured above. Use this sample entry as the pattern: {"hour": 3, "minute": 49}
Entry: {"hour": 6, "minute": 49}
